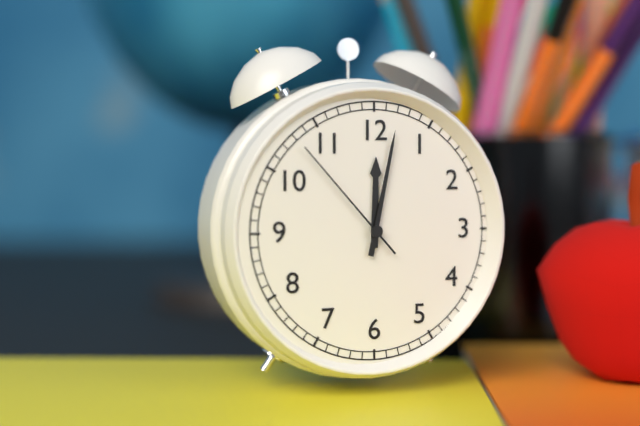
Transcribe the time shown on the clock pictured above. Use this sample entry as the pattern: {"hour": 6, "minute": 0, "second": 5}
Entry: {"hour": 12, "minute": 2, "second": 53}
